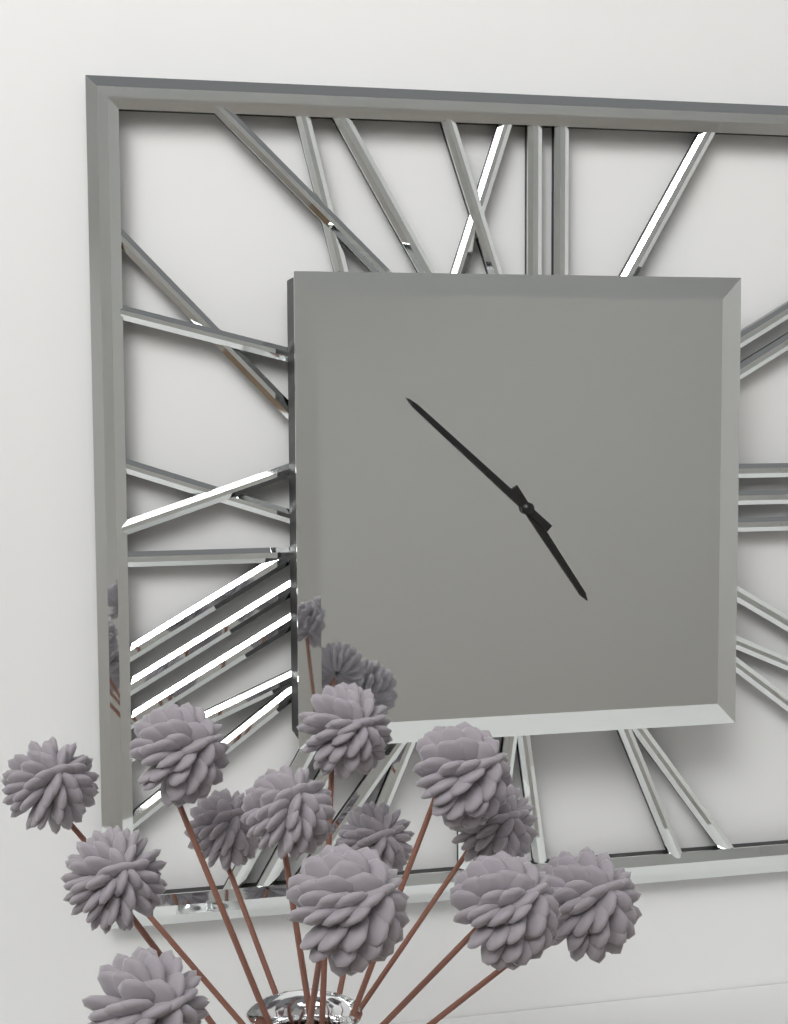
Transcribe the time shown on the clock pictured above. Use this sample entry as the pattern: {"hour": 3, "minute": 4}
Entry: {"hour": 4, "minute": 52}
